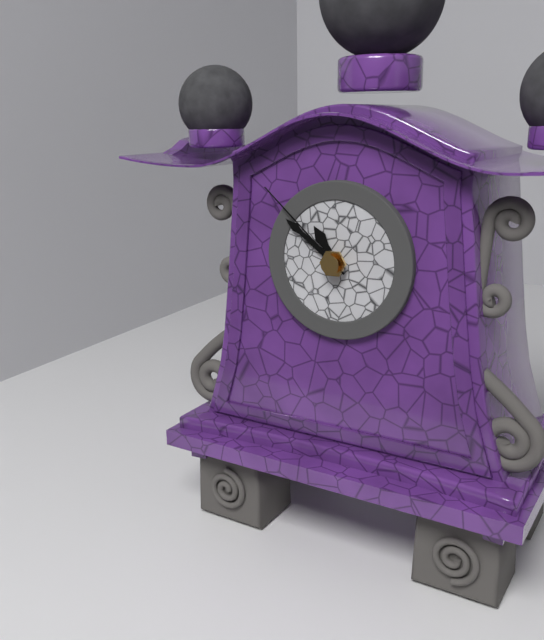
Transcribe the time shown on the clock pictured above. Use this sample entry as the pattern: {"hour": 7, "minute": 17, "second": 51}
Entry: {"hour": 10, "minute": 51, "second": 52}
